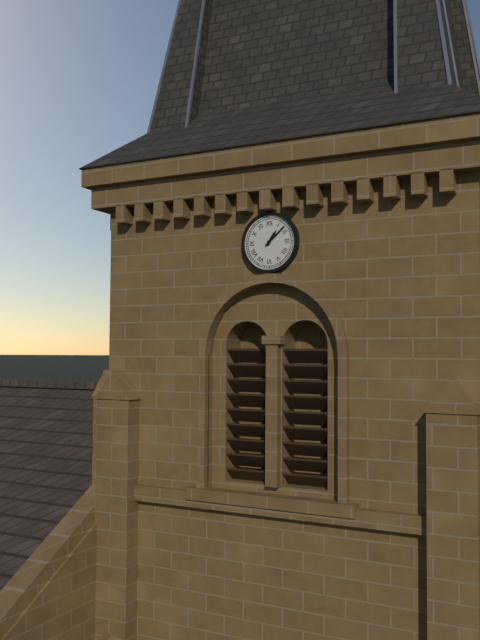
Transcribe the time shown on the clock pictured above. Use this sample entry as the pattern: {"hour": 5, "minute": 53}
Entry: {"hour": 1, "minute": 8}
